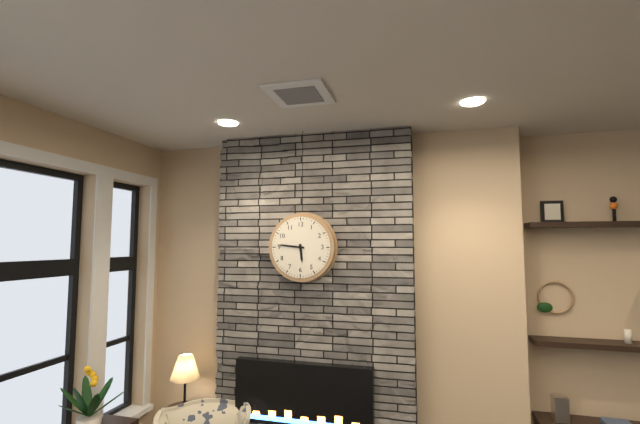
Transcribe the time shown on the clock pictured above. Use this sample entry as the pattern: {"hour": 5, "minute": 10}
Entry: {"hour": 5, "minute": 46}
